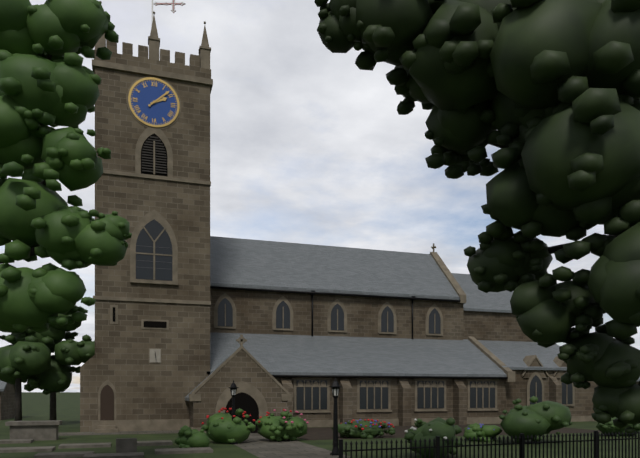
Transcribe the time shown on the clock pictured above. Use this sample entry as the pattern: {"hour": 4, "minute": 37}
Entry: {"hour": 2, "minute": 8}
